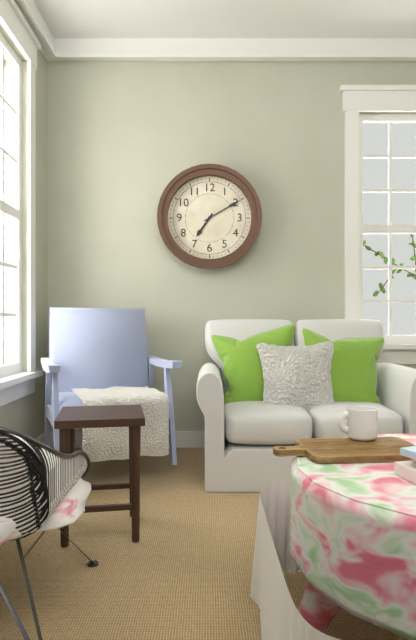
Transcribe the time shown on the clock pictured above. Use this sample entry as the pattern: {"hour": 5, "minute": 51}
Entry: {"hour": 7, "minute": 10}
